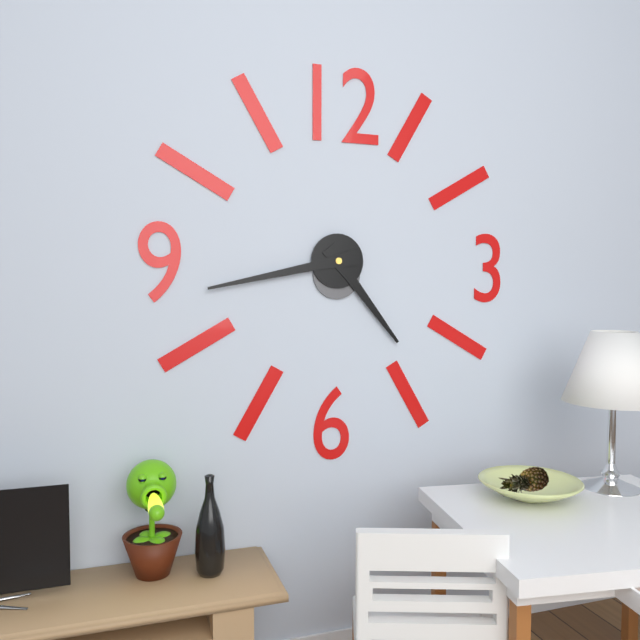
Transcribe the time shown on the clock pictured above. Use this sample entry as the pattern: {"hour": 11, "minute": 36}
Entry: {"hour": 4, "minute": 43}
